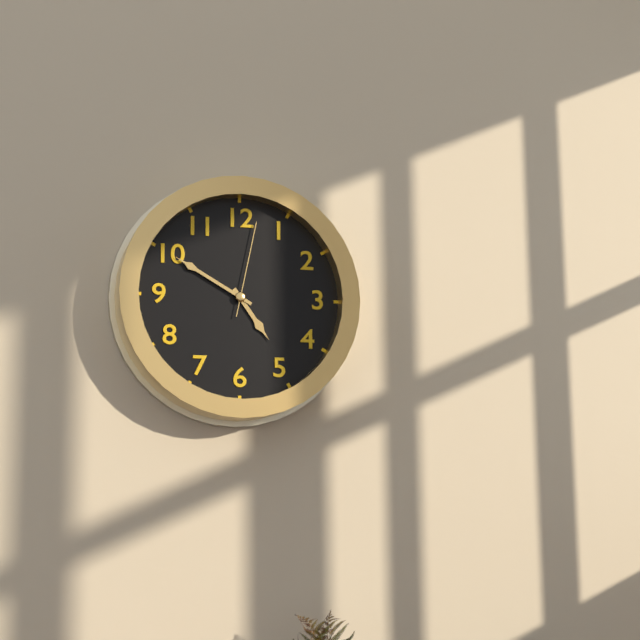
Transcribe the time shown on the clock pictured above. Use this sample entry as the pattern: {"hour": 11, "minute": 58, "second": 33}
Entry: {"hour": 4, "minute": 50, "second": 2}
